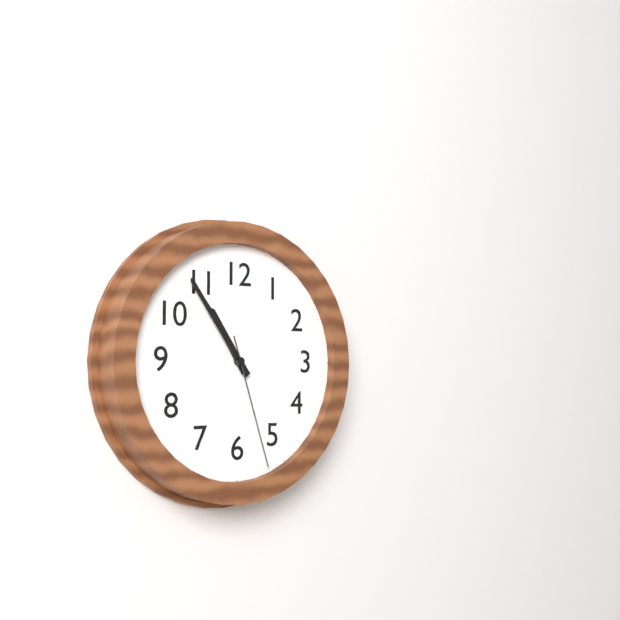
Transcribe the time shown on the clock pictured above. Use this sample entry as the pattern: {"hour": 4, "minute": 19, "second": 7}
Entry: {"hour": 10, "minute": 54, "second": 27}
